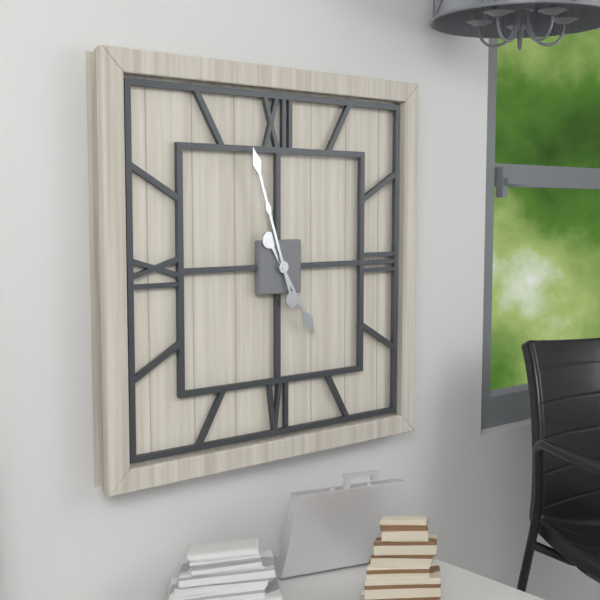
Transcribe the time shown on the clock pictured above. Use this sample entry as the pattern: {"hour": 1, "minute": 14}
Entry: {"hour": 4, "minute": 57}
